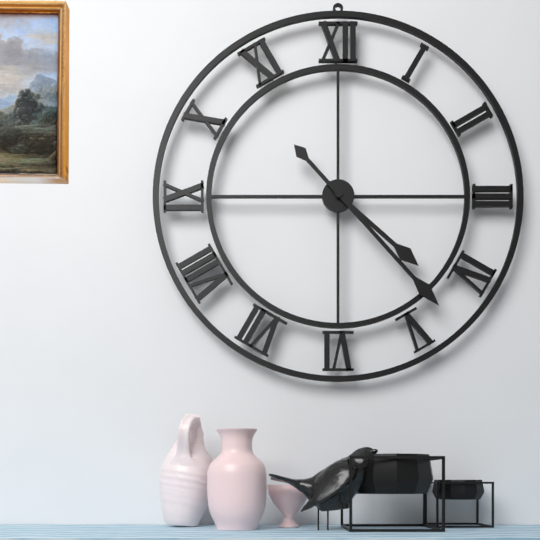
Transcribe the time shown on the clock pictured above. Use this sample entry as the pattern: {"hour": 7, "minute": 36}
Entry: {"hour": 4, "minute": 23}
